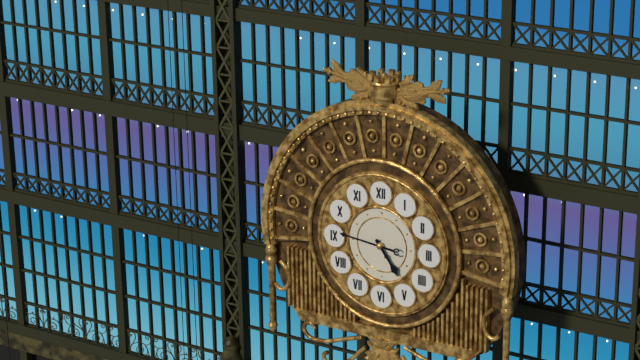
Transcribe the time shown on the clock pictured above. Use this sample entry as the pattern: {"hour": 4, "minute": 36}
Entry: {"hour": 4, "minute": 46}
